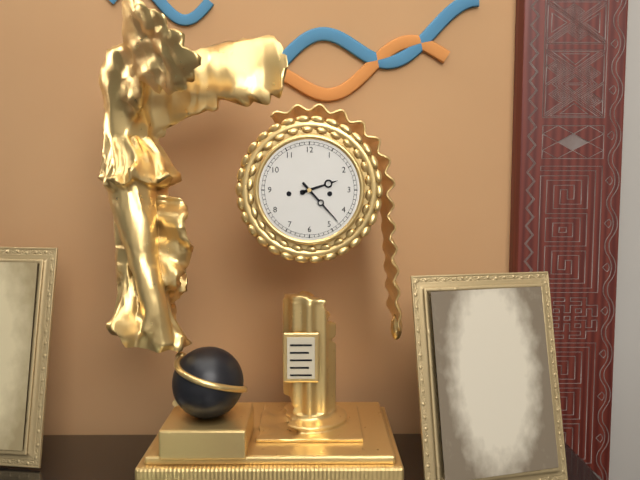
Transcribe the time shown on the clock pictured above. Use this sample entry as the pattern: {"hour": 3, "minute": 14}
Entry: {"hour": 2, "minute": 23}
